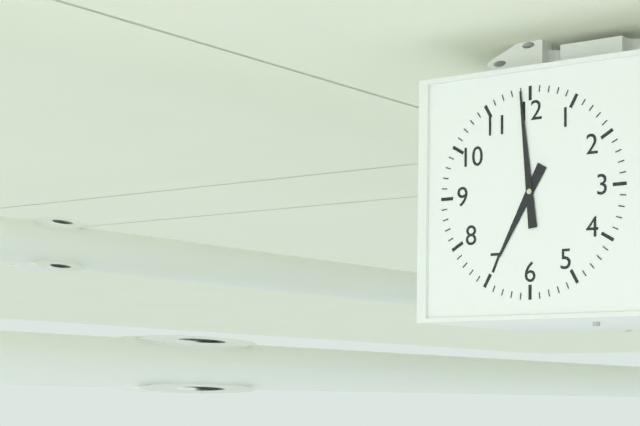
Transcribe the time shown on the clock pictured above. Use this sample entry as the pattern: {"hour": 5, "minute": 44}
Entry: {"hour": 6, "minute": 59}
